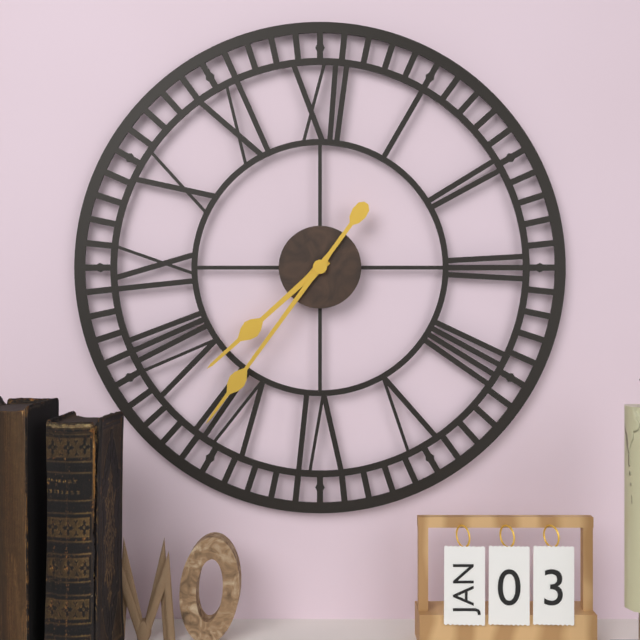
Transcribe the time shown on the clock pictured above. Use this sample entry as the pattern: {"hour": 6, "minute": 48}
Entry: {"hour": 7, "minute": 36}
